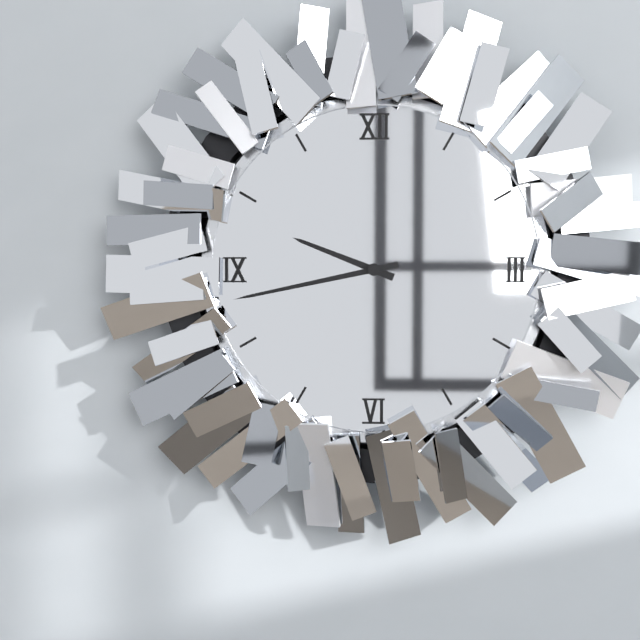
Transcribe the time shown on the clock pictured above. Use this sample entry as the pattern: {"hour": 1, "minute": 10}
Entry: {"hour": 9, "minute": 43}
